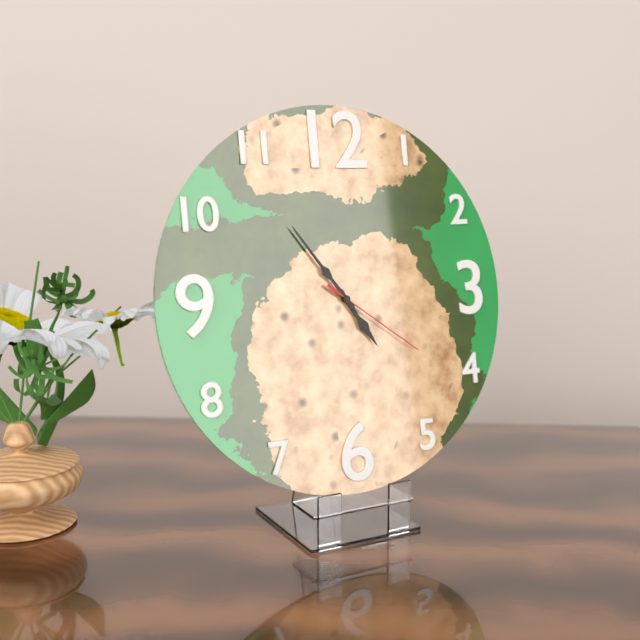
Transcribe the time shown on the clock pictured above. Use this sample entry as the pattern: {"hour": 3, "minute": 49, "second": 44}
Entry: {"hour": 4, "minute": 54, "second": 21}
